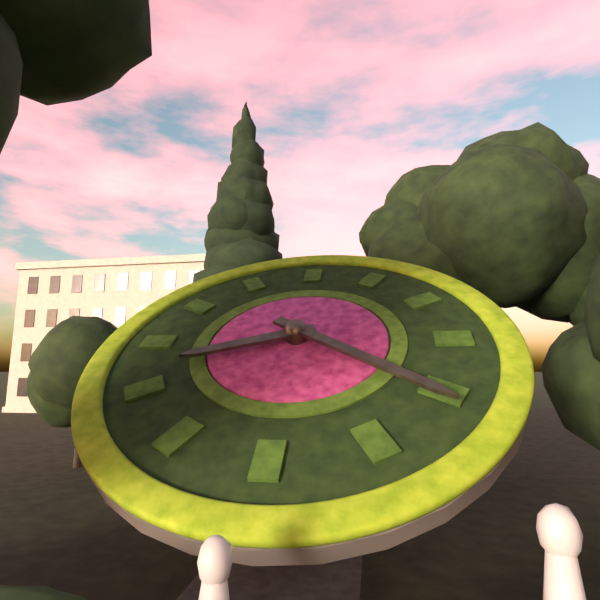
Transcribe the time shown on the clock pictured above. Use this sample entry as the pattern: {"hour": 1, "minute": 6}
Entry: {"hour": 8, "minute": 21}
